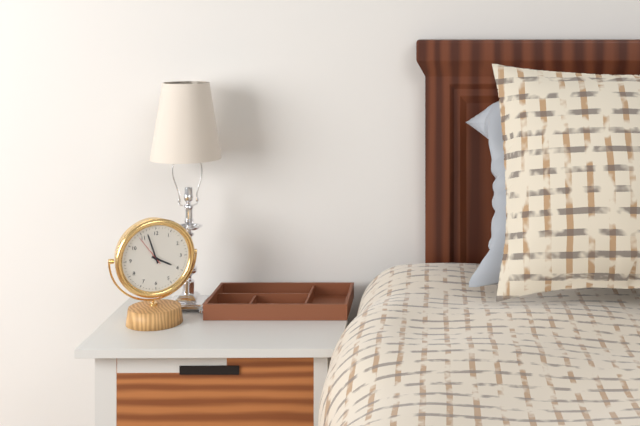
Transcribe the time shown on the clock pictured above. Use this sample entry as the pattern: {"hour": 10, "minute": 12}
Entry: {"hour": 3, "minute": 57}
